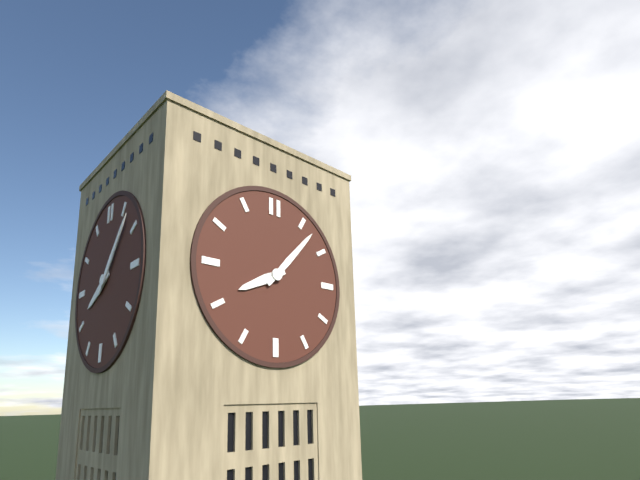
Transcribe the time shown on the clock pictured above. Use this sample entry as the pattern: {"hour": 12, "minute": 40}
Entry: {"hour": 8, "minute": 7}
